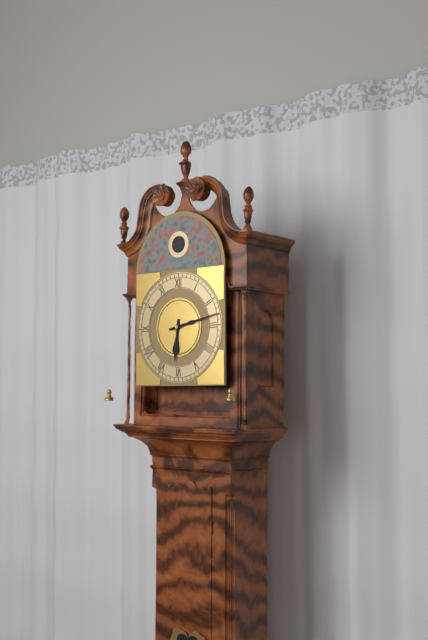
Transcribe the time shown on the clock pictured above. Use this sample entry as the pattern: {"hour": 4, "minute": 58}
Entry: {"hour": 6, "minute": 13}
